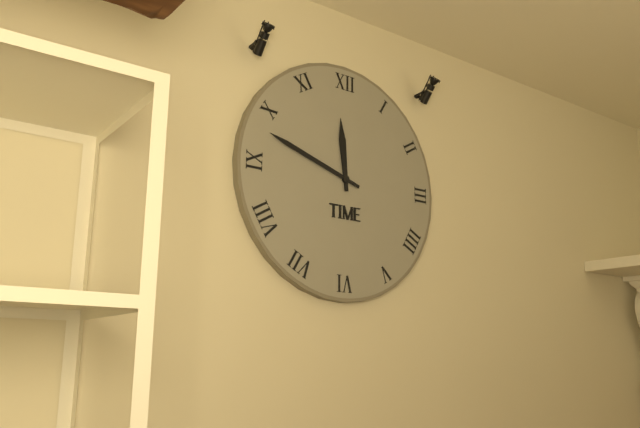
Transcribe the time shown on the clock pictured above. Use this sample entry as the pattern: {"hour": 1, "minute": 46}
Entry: {"hour": 11, "minute": 48}
